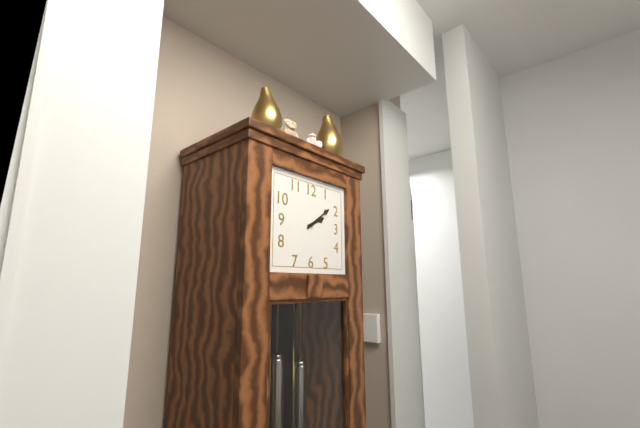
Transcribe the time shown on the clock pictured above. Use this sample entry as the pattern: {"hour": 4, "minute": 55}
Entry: {"hour": 2, "minute": 9}
